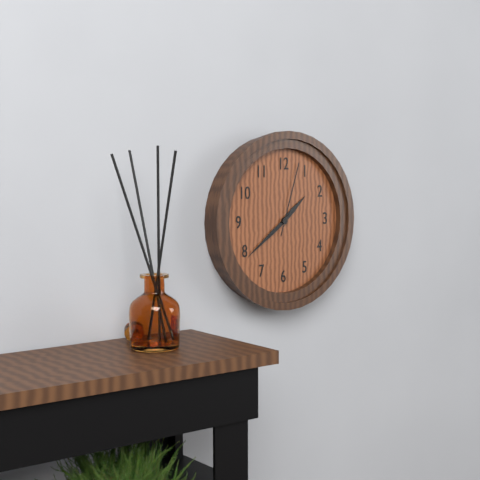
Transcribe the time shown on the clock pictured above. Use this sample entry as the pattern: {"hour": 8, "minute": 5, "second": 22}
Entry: {"hour": 1, "minute": 39, "second": 3}
